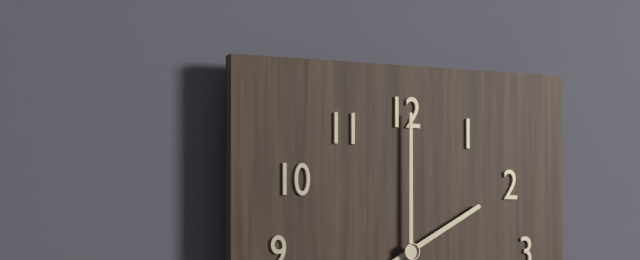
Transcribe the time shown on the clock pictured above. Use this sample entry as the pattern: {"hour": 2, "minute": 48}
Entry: {"hour": 2, "minute": 0}
